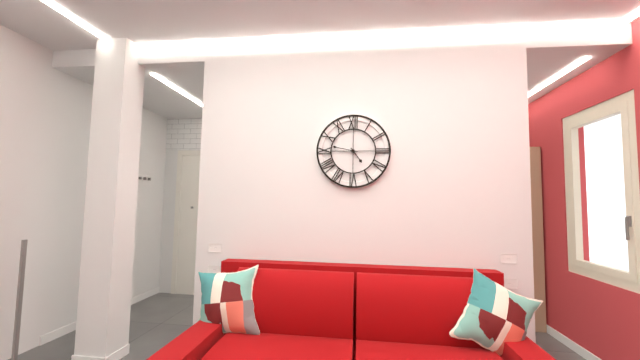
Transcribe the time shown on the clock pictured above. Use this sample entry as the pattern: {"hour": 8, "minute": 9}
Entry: {"hour": 4, "minute": 47}
